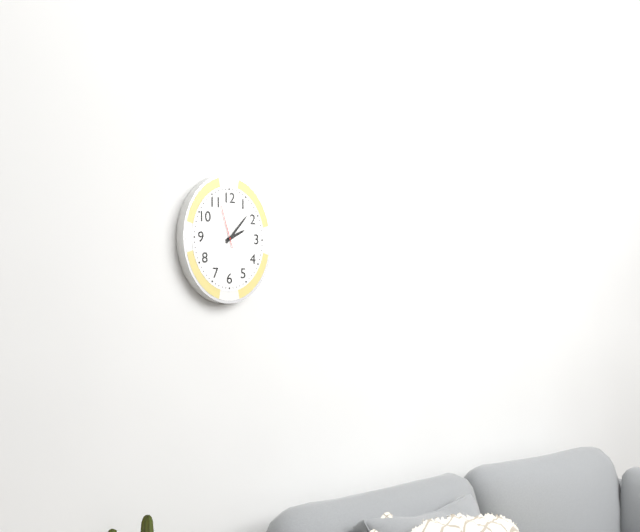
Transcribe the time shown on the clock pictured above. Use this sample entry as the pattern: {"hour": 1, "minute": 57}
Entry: {"hour": 2, "minute": 7}
